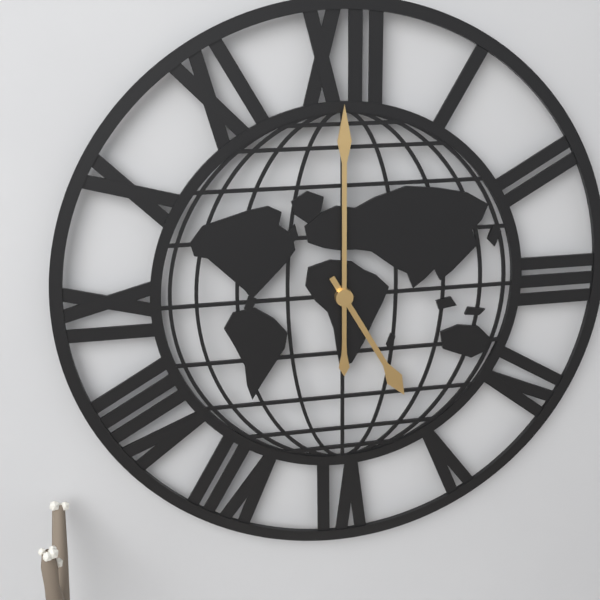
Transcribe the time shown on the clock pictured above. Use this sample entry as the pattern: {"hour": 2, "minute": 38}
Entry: {"hour": 5, "minute": 0}
